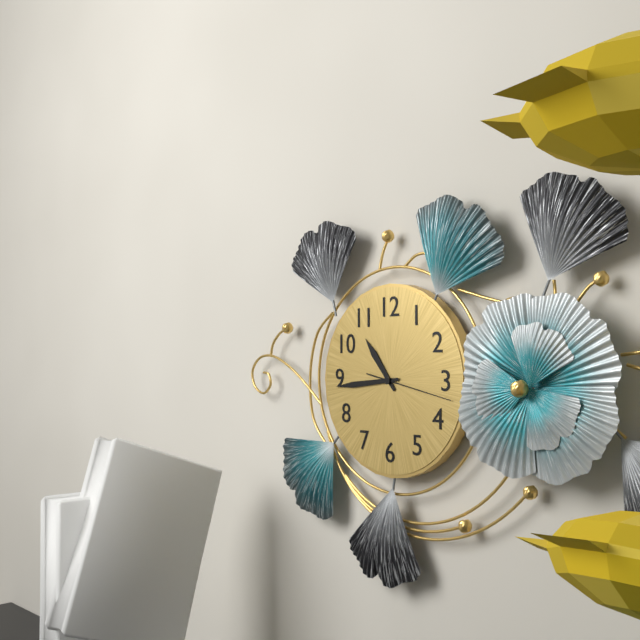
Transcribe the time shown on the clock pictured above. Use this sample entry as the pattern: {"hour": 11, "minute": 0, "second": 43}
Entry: {"hour": 10, "minute": 44, "second": 17}
